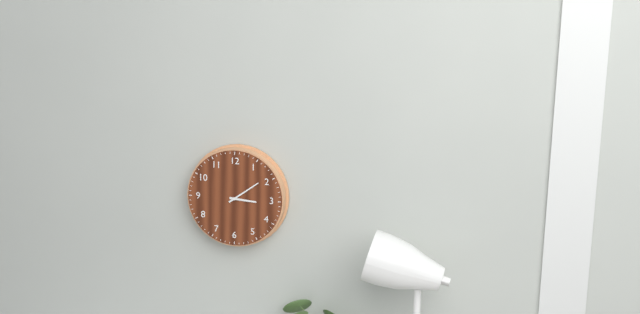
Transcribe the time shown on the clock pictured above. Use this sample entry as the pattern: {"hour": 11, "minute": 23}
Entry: {"hour": 3, "minute": 9}
